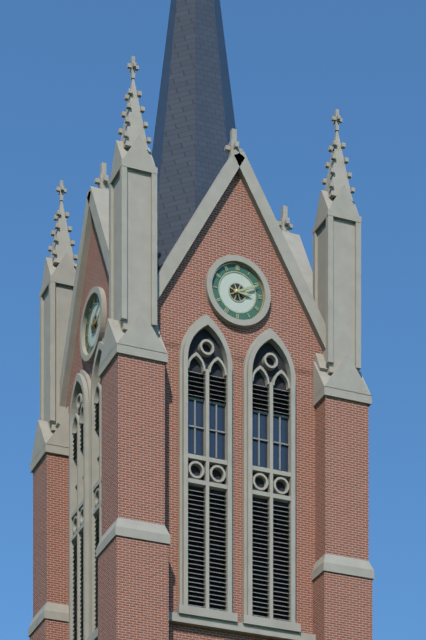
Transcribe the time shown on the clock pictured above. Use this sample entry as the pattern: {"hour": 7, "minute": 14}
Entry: {"hour": 3, "minute": 11}
